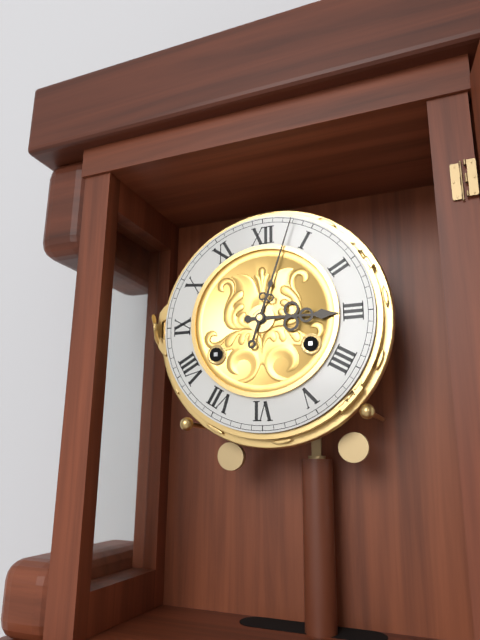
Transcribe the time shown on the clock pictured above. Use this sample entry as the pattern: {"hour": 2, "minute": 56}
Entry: {"hour": 3, "minute": 3}
